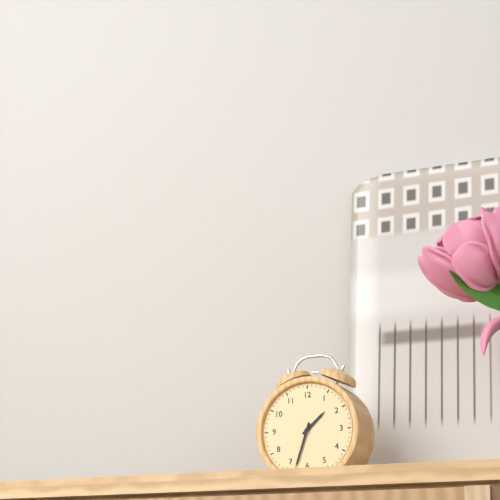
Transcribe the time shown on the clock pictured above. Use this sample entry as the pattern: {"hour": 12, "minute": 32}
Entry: {"hour": 1, "minute": 33}
